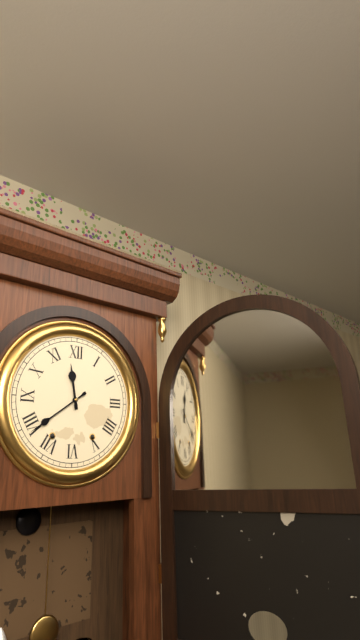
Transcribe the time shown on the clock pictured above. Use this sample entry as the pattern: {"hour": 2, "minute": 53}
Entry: {"hour": 11, "minute": 39}
